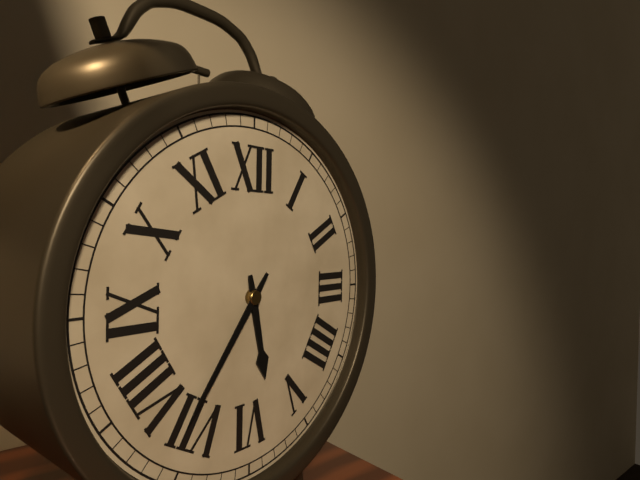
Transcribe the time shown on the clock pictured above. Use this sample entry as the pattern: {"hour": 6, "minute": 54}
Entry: {"hour": 5, "minute": 36}
